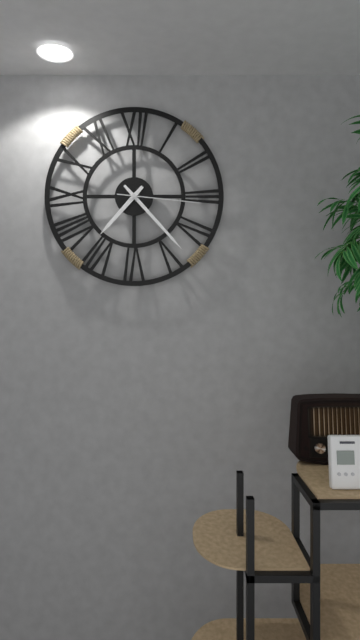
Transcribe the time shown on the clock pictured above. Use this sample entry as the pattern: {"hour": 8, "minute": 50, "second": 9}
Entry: {"hour": 7, "minute": 23, "second": 16}
